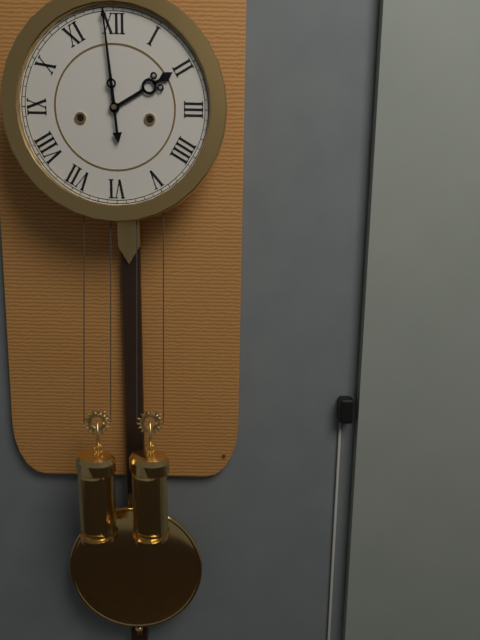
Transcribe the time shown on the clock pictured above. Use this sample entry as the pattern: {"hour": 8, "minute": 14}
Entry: {"hour": 1, "minute": 59}
